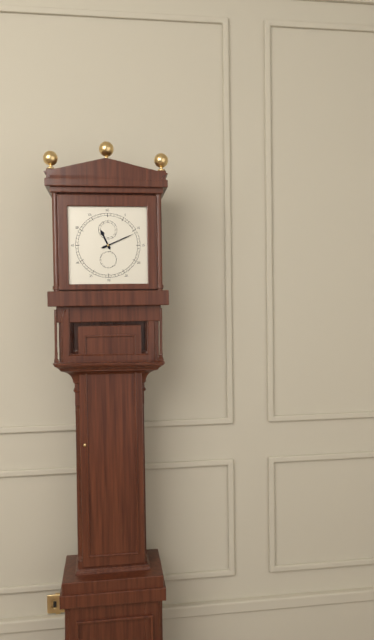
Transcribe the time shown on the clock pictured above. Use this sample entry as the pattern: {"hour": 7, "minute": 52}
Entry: {"hour": 11, "minute": 11}
